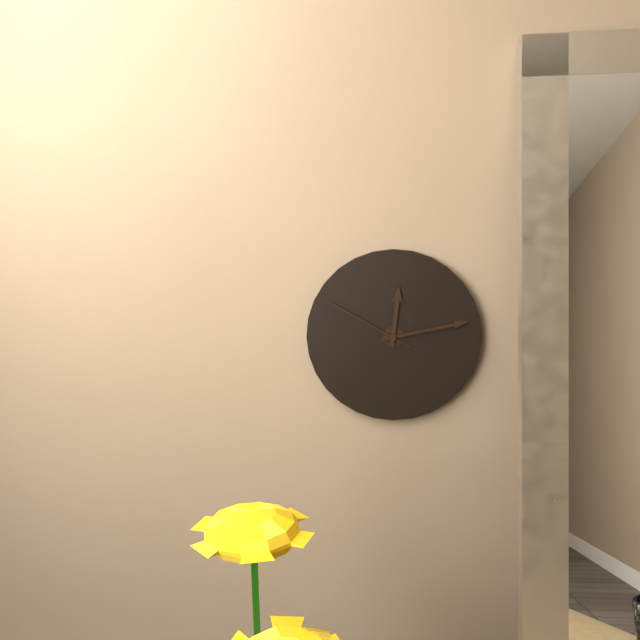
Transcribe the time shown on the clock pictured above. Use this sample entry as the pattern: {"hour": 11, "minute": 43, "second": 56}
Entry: {"hour": 12, "minute": 13, "second": 50}
